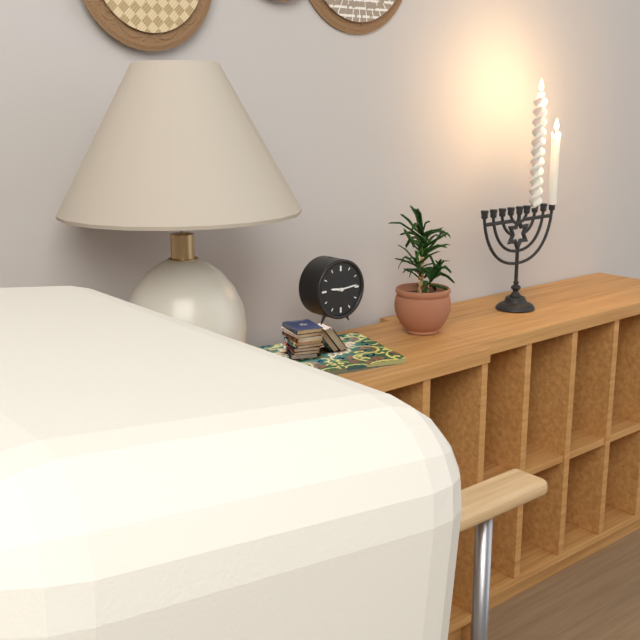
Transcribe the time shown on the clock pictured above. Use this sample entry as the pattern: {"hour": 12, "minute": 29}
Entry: {"hour": 9, "minute": 14}
